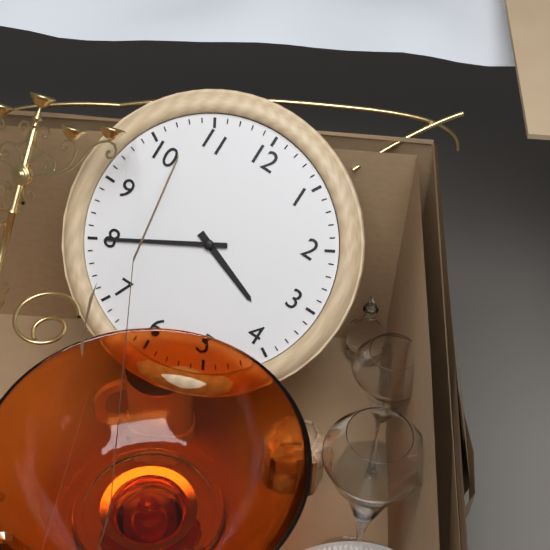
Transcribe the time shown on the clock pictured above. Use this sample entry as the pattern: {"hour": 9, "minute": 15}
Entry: {"hour": 3, "minute": 40}
